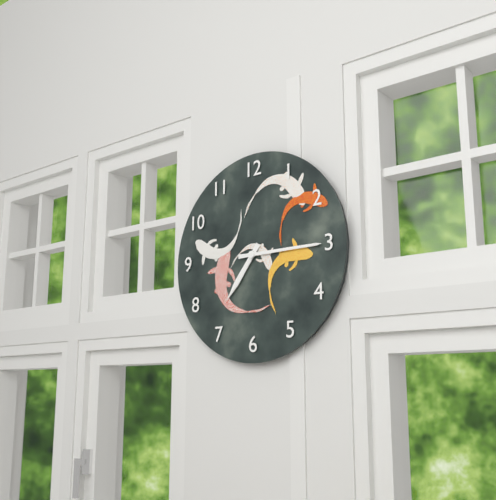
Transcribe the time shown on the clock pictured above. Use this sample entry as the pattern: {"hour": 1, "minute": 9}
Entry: {"hour": 7, "minute": 15}
